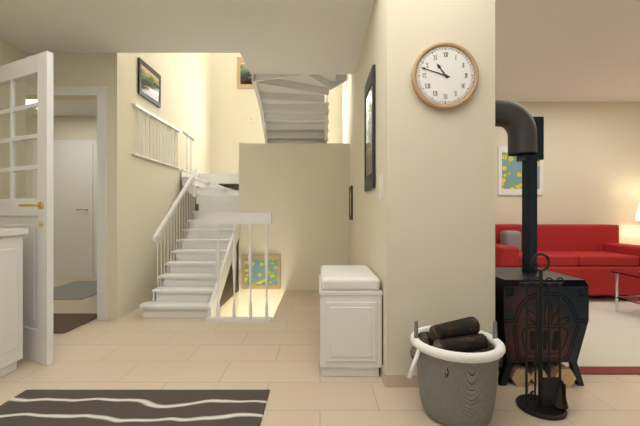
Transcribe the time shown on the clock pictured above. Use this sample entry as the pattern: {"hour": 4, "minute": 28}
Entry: {"hour": 10, "minute": 48}
